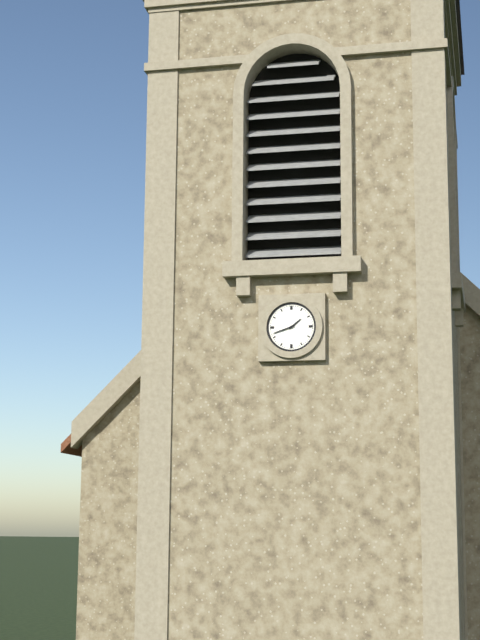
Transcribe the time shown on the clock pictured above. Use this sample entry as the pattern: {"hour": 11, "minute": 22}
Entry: {"hour": 1, "minute": 42}
